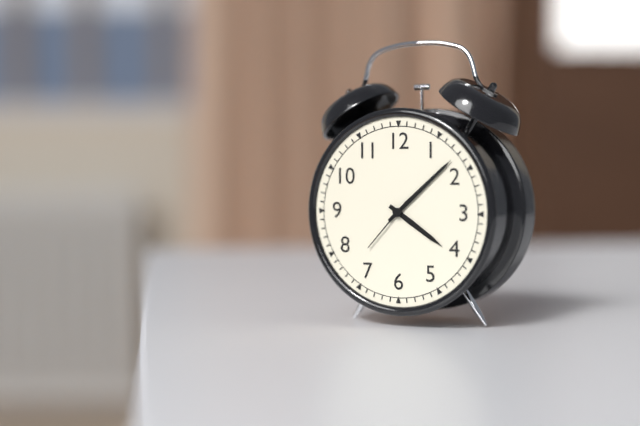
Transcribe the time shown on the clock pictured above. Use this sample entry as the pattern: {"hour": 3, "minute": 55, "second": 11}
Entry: {"hour": 4, "minute": 8, "second": 37}
